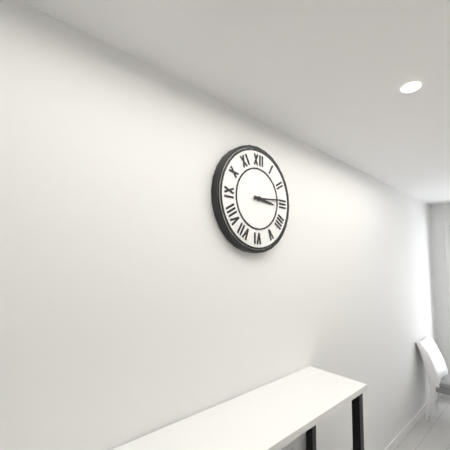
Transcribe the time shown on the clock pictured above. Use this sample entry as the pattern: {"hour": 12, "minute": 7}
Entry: {"hour": 3, "minute": 14}
